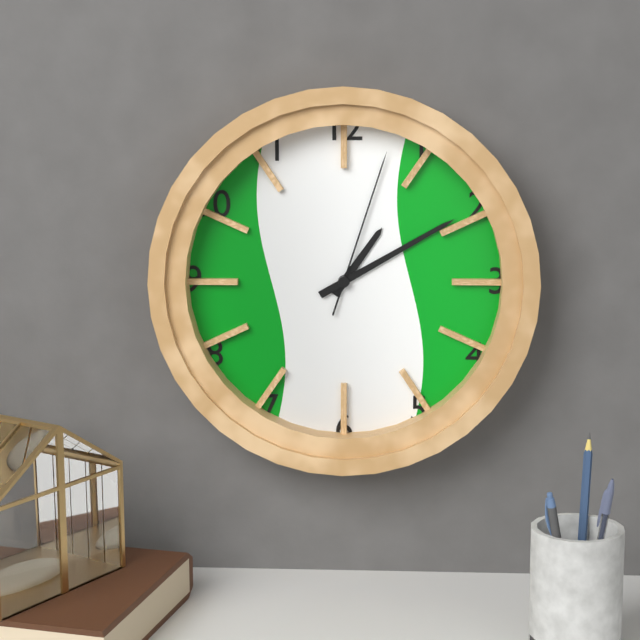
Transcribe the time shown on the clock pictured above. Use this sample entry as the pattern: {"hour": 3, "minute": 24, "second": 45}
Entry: {"hour": 1, "minute": 10, "second": 3}
